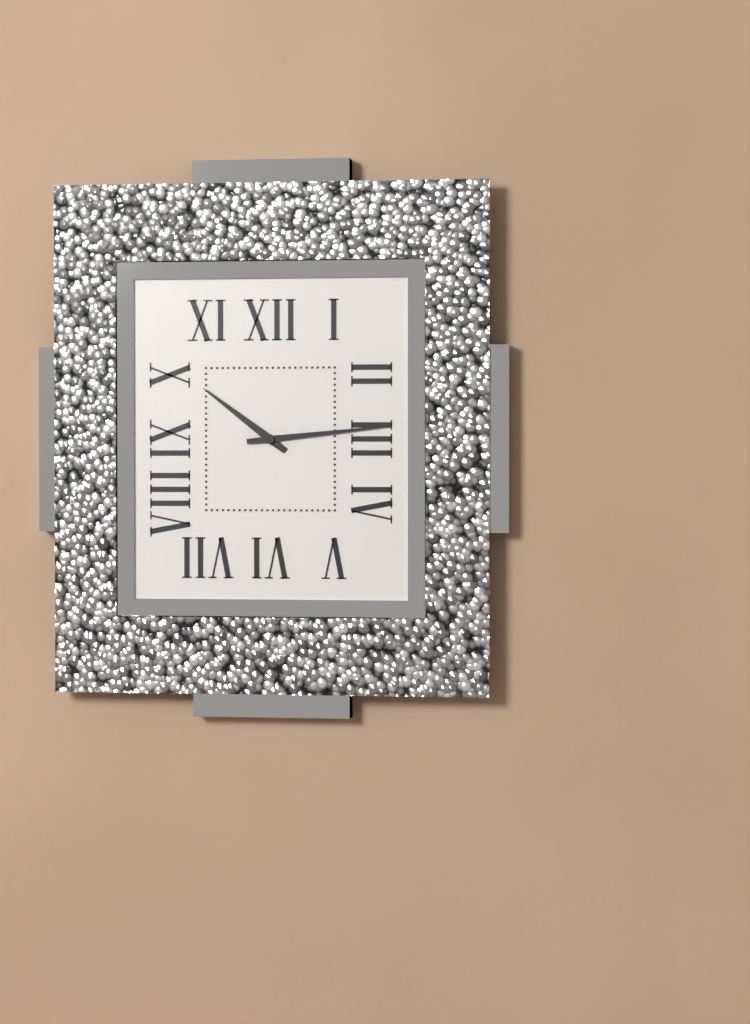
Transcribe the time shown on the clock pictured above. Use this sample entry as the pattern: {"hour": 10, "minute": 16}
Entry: {"hour": 10, "minute": 14}
